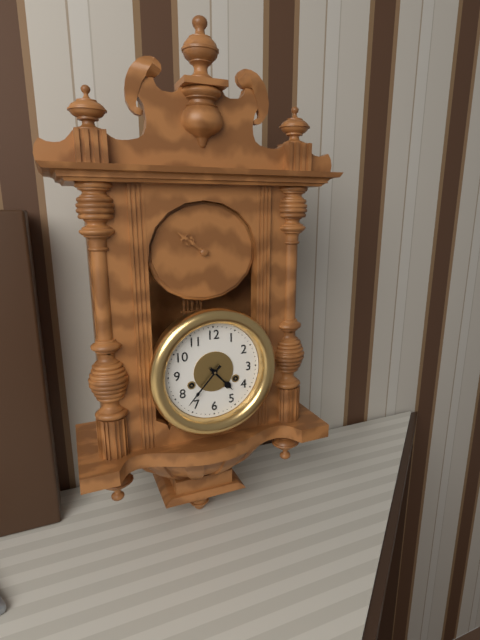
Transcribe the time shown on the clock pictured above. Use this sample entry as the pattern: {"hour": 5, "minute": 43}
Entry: {"hour": 4, "minute": 37}
